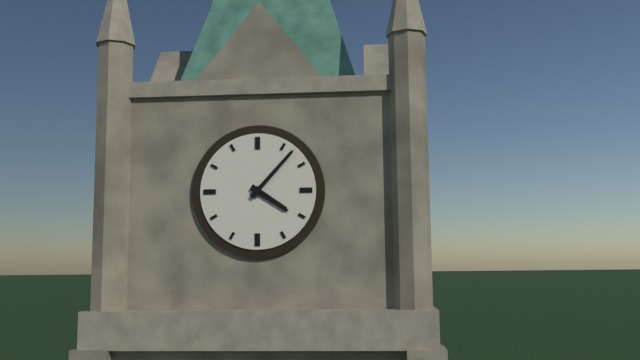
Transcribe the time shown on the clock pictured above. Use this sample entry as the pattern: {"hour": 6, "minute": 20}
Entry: {"hour": 4, "minute": 7}
